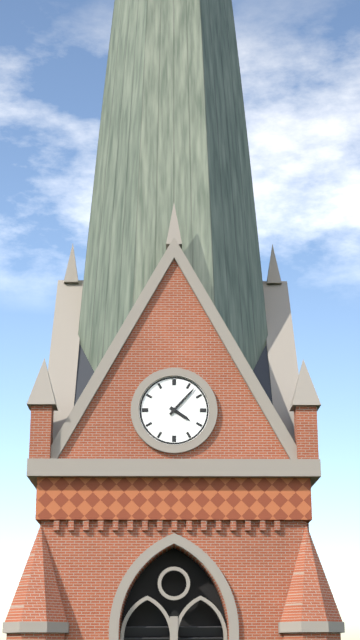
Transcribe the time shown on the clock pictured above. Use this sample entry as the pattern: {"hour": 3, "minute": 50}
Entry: {"hour": 4, "minute": 7}
